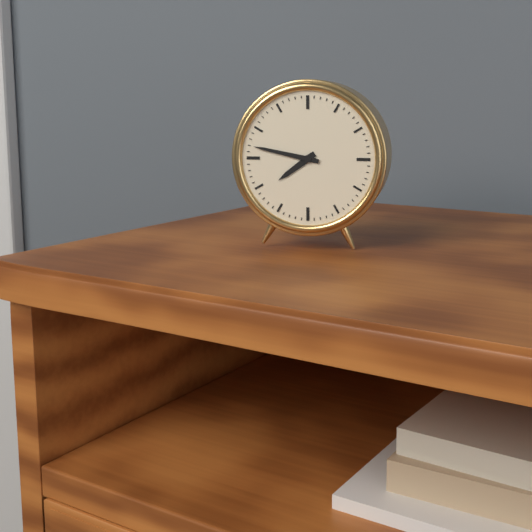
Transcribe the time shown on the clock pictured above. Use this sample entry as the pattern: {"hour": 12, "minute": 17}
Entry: {"hour": 7, "minute": 47}
